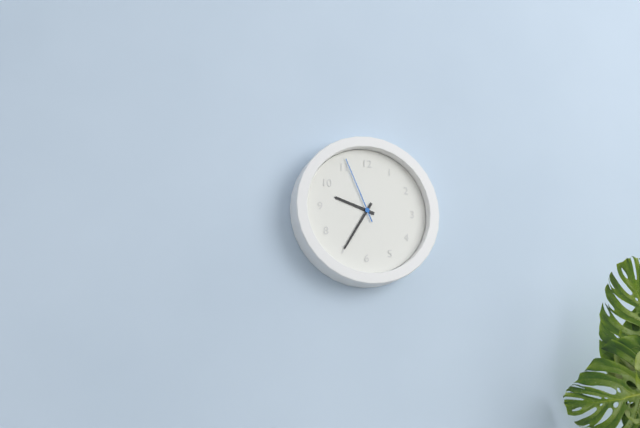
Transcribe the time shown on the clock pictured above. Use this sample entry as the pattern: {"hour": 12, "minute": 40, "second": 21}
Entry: {"hour": 9, "minute": 35, "second": 56}
